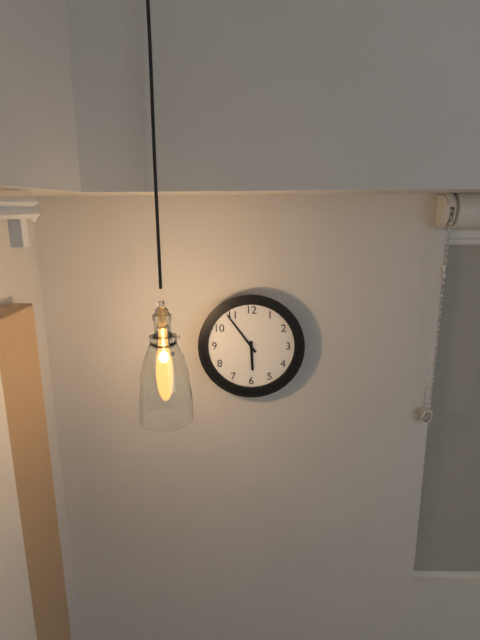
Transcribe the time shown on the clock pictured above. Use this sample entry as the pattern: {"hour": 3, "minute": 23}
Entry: {"hour": 5, "minute": 54}
